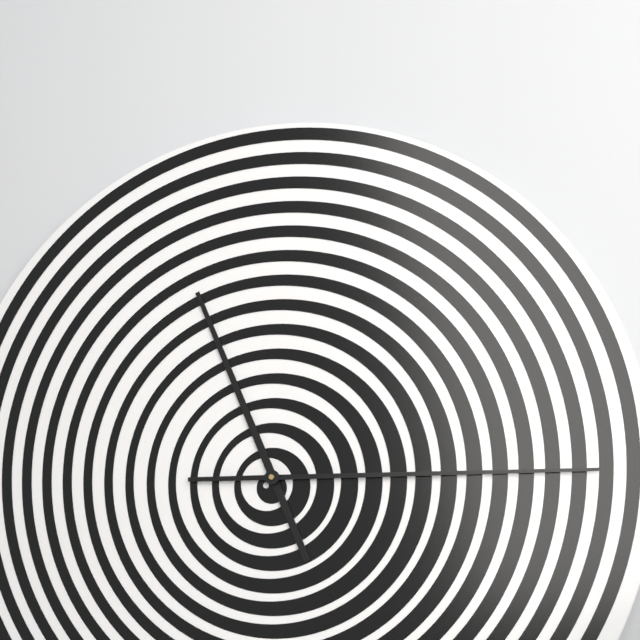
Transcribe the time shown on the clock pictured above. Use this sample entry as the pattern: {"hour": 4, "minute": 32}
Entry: {"hour": 11, "minute": 15}
